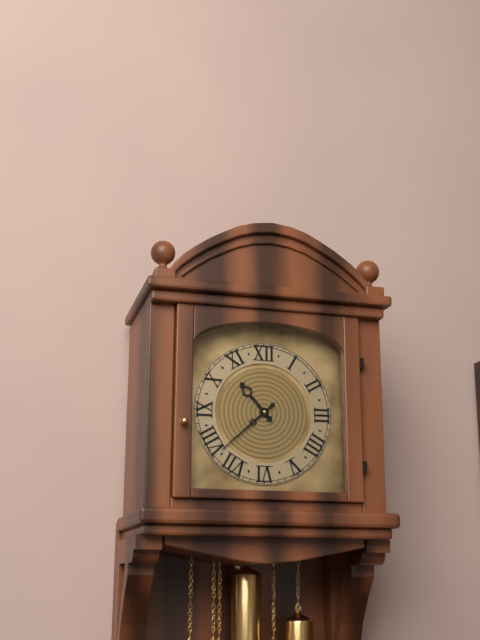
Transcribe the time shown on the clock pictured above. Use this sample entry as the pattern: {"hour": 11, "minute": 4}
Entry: {"hour": 10, "minute": 38}
